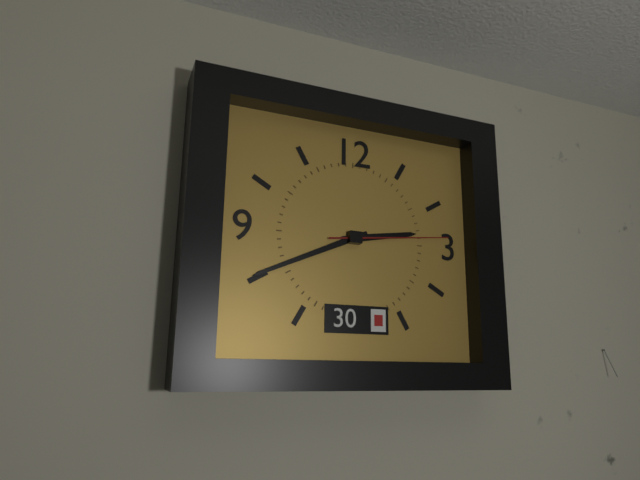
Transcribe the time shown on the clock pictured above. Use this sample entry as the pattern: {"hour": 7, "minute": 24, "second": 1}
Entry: {"hour": 2, "minute": 41, "second": 14}
